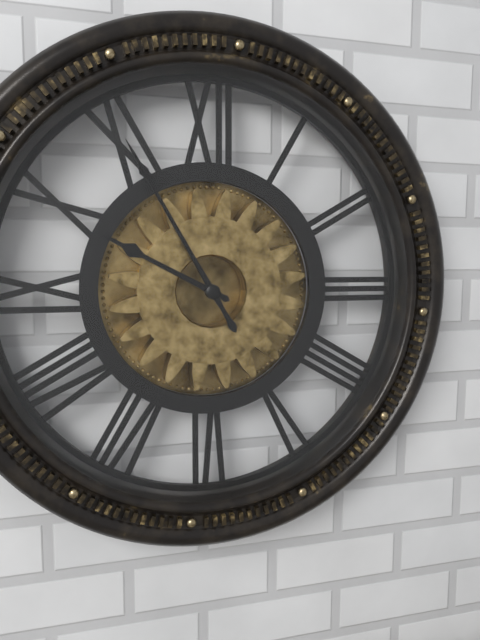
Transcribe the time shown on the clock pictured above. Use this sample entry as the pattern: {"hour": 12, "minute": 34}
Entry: {"hour": 9, "minute": 55}
